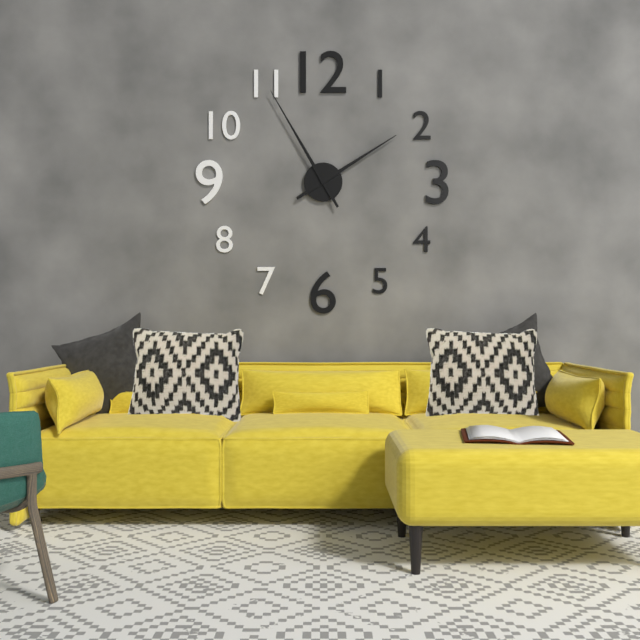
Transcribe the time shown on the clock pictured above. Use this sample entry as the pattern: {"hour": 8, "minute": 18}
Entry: {"hour": 1, "minute": 55}
